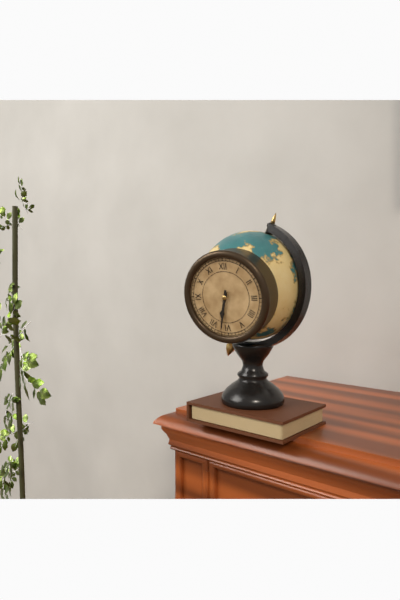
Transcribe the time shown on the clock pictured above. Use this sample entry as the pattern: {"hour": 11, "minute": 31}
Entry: {"hour": 6, "minute": 32}
